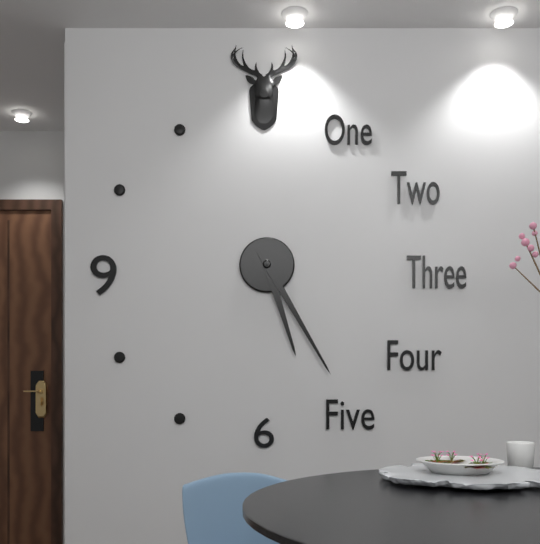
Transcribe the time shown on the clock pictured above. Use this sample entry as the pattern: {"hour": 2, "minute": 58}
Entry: {"hour": 5, "minute": 25}
